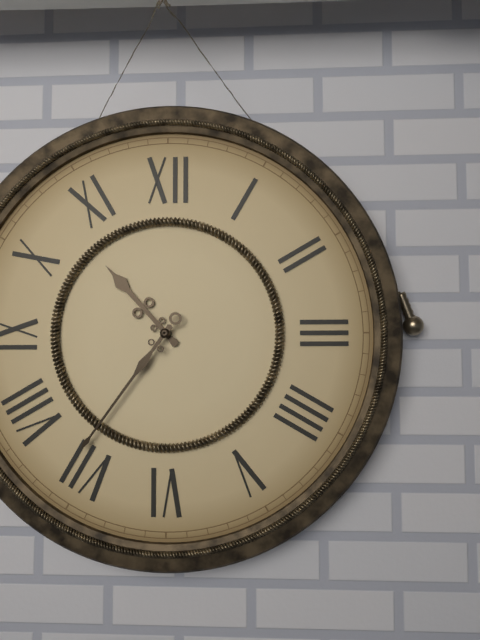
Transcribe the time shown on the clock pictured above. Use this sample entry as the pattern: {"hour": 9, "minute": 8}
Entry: {"hour": 10, "minute": 36}
